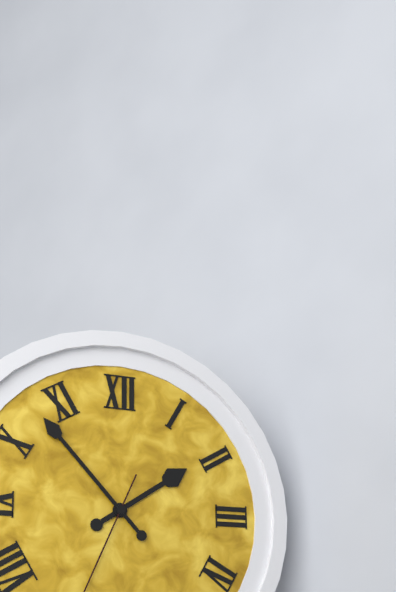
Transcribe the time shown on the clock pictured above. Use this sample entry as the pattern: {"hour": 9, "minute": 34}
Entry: {"hour": 1, "minute": 53}
